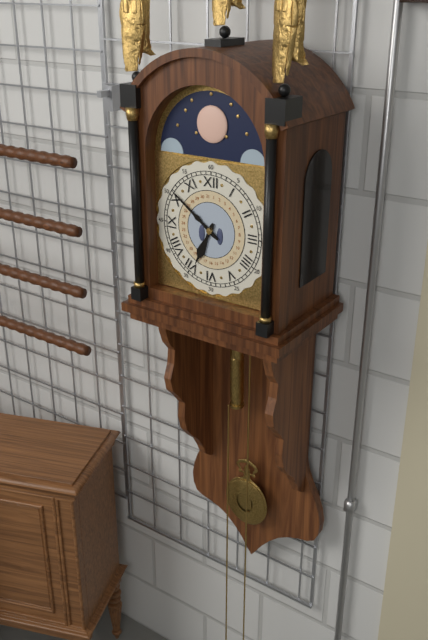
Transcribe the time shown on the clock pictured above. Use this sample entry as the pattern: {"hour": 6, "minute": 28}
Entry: {"hour": 6, "minute": 51}
